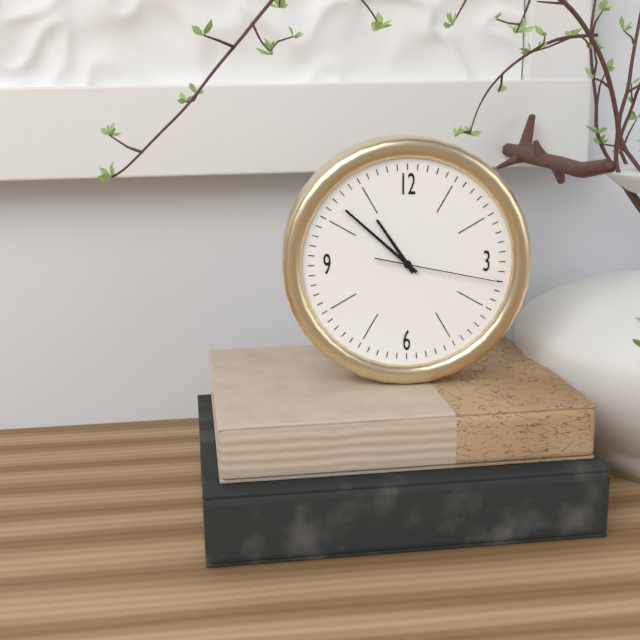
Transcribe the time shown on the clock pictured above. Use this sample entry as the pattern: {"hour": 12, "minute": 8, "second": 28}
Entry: {"hour": 10, "minute": 52, "second": 17}
